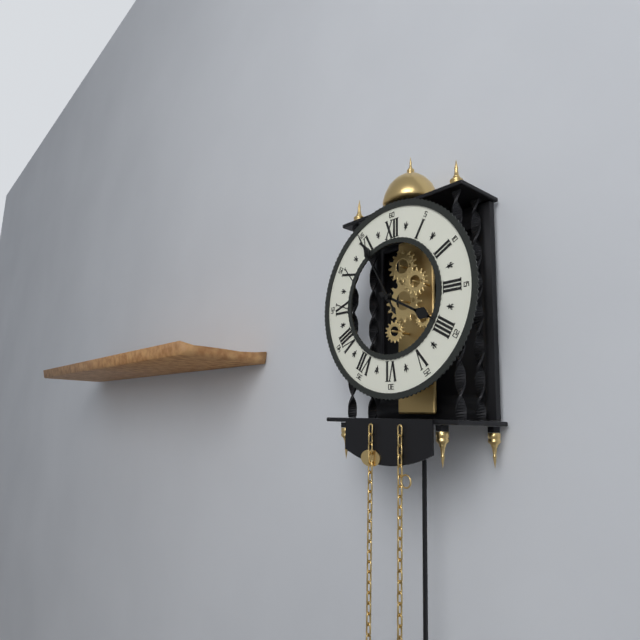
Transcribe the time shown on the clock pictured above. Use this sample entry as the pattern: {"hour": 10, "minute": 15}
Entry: {"hour": 3, "minute": 55}
